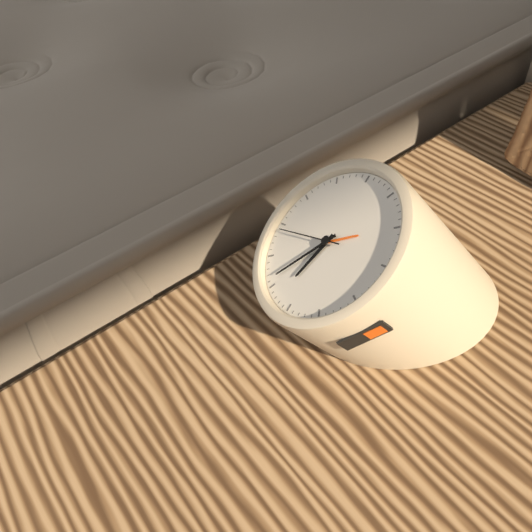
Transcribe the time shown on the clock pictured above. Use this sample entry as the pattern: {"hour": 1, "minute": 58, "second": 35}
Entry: {"hour": 5, "minute": 31, "second": 39}
